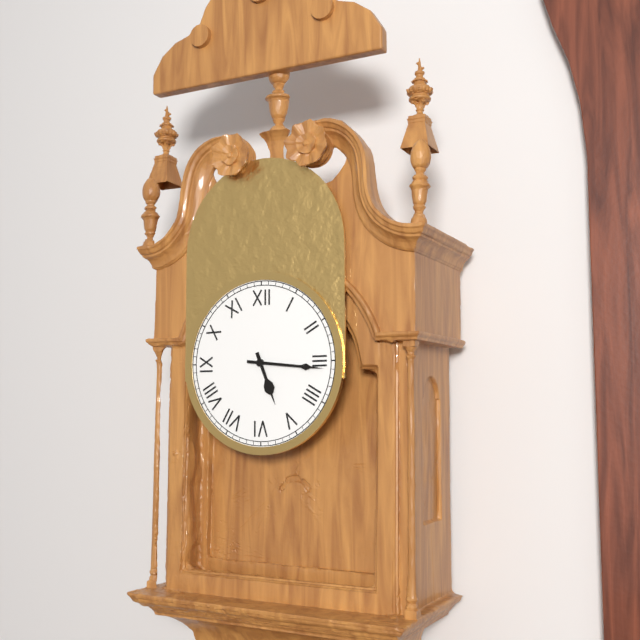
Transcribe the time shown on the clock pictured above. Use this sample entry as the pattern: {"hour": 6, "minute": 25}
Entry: {"hour": 5, "minute": 16}
